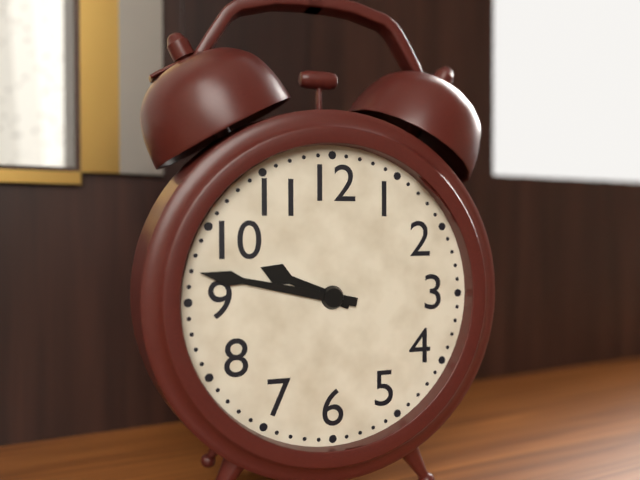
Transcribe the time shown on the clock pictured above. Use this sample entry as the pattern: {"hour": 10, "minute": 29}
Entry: {"hour": 9, "minute": 47}
